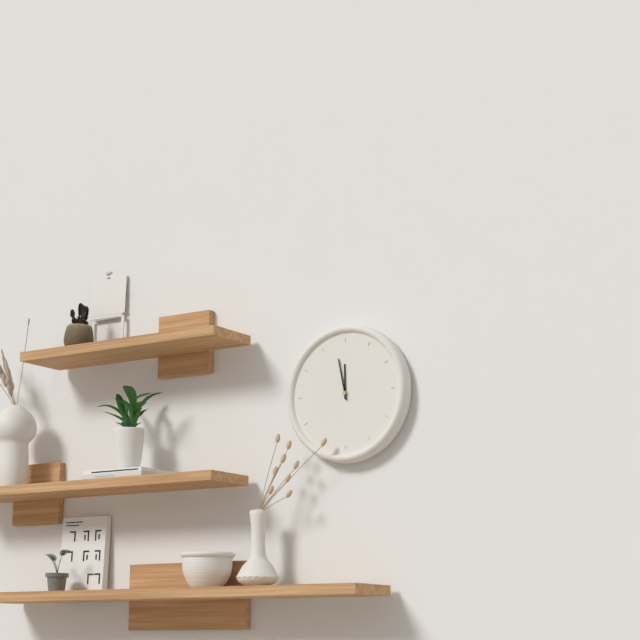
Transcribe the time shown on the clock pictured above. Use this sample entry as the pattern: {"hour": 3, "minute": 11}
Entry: {"hour": 11, "minute": 58}
